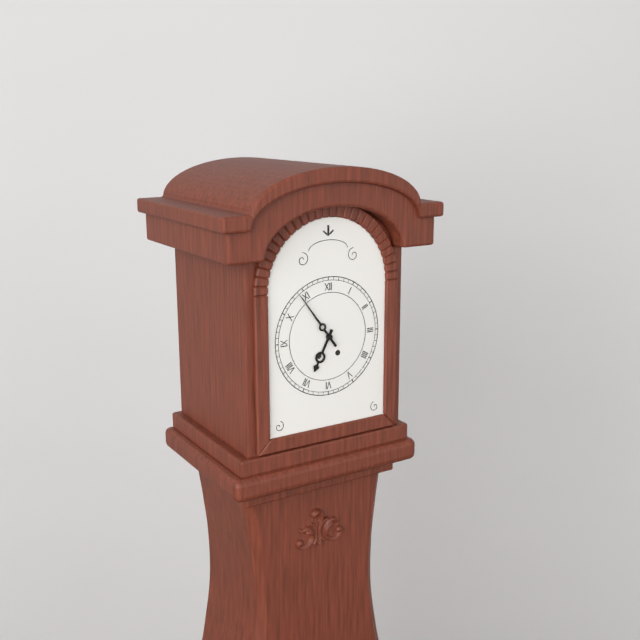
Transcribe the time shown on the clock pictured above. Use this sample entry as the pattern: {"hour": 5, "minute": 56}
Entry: {"hour": 6, "minute": 54}
